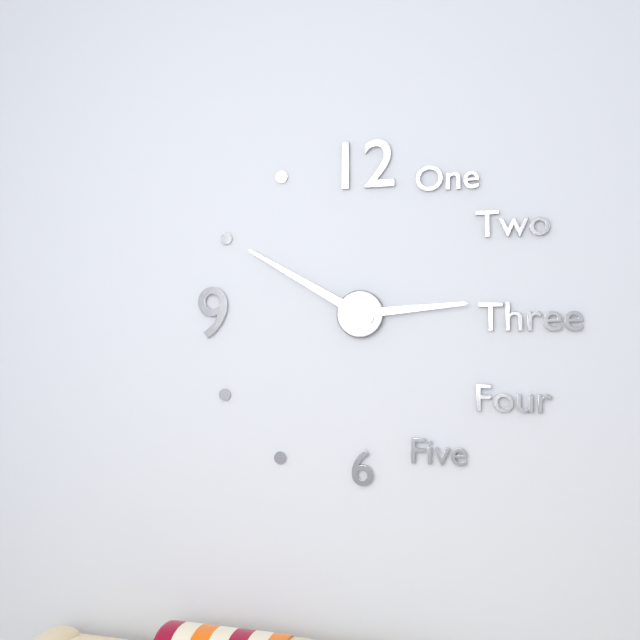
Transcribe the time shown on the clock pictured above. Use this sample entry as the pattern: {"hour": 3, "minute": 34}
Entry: {"hour": 2, "minute": 50}
